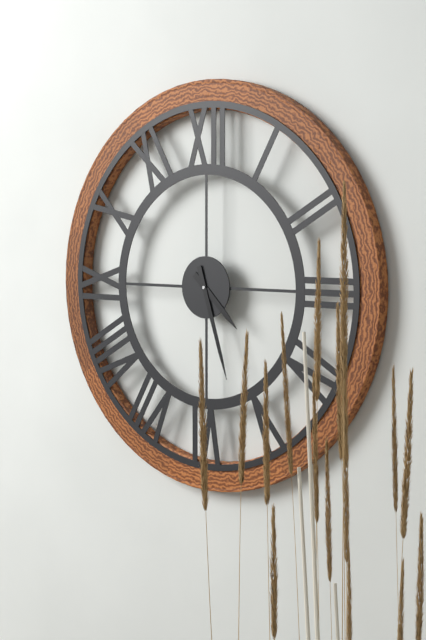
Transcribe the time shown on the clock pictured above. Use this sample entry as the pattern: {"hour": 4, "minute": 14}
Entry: {"hour": 4, "minute": 27}
